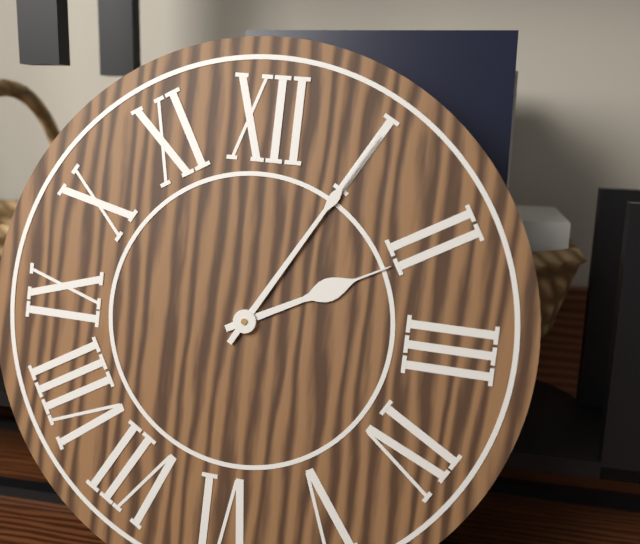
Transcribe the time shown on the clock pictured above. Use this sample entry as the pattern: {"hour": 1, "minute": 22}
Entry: {"hour": 2, "minute": 5}
